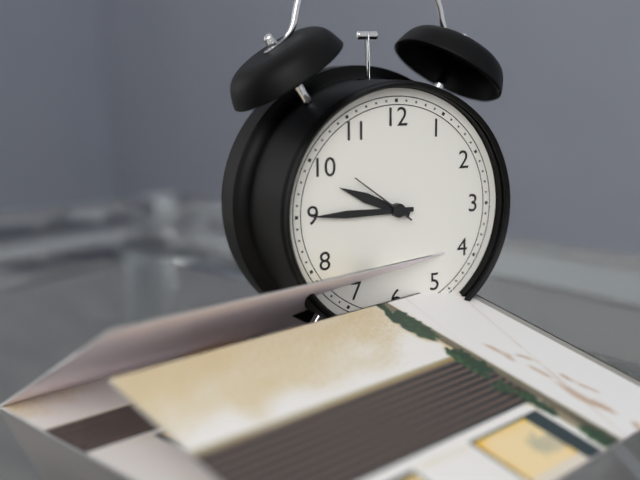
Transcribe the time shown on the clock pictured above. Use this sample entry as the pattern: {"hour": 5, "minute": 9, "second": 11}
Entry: {"hour": 9, "minute": 45, "second": 51}
